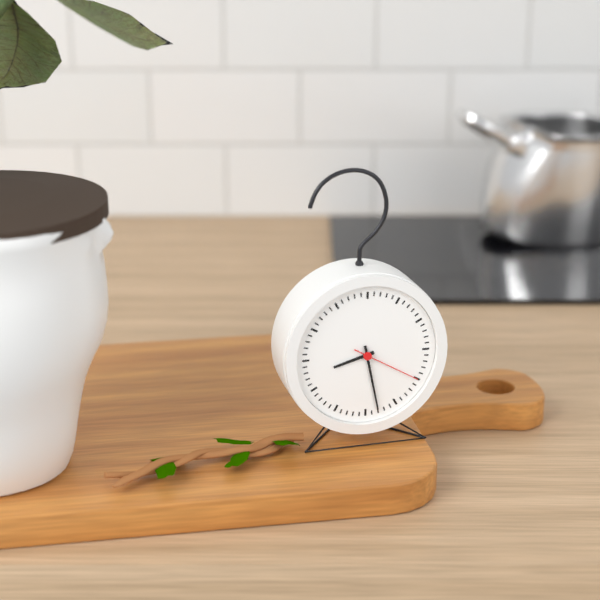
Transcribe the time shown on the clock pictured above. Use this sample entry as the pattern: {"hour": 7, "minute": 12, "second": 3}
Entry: {"hour": 8, "minute": 28, "second": 20}
